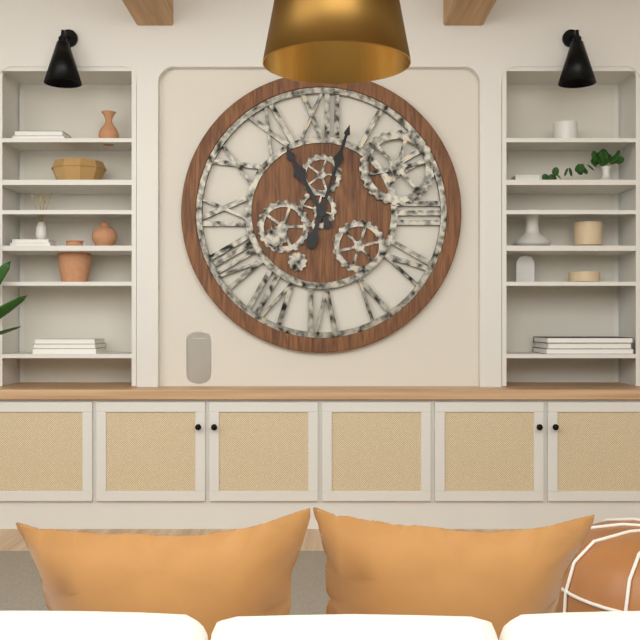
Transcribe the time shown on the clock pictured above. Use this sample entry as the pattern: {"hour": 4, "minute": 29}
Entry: {"hour": 11, "minute": 3}
